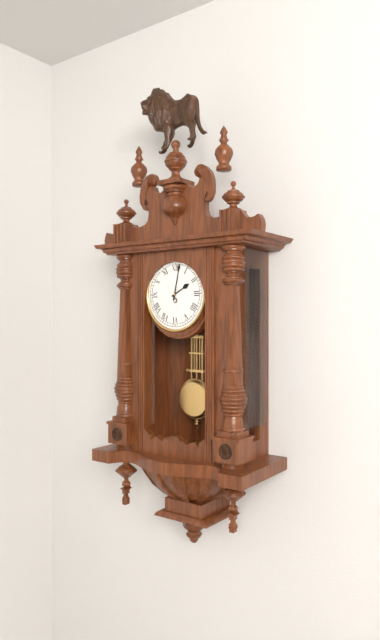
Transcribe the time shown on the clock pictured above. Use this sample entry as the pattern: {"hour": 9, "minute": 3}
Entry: {"hour": 2, "minute": 2}
